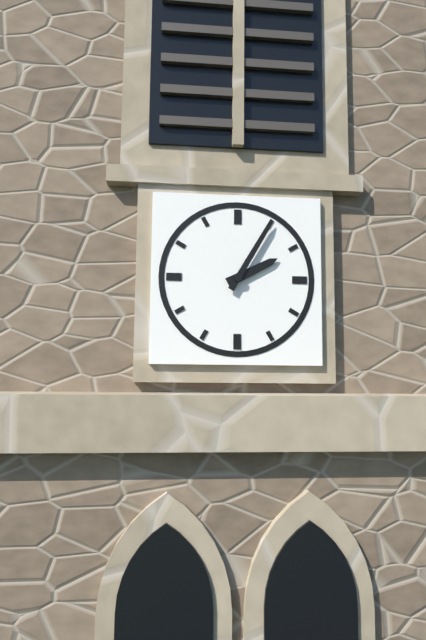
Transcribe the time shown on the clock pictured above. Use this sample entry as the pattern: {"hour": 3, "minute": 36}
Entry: {"hour": 2, "minute": 5}
